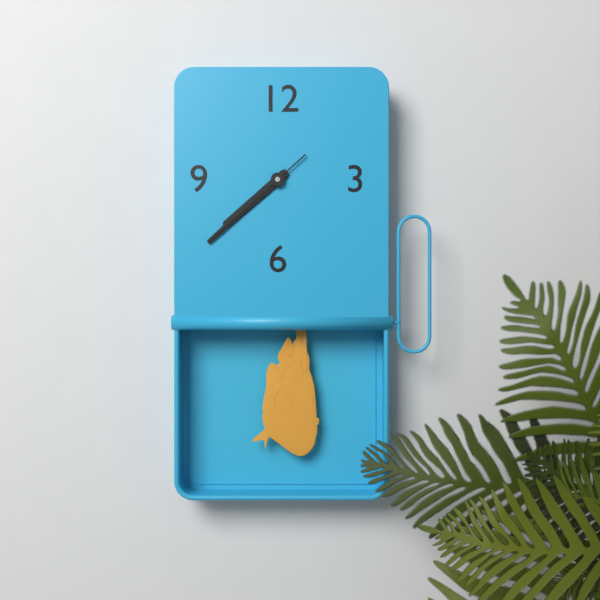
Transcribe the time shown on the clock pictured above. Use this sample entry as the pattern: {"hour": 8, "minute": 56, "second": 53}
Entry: {"hour": 7, "minute": 38, "second": 38}
